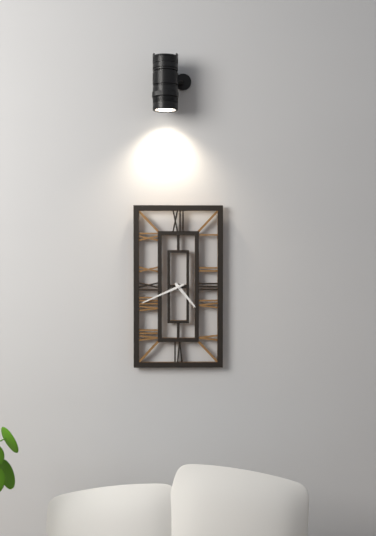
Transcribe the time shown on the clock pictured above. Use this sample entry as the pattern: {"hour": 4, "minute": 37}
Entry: {"hour": 4, "minute": 41}
